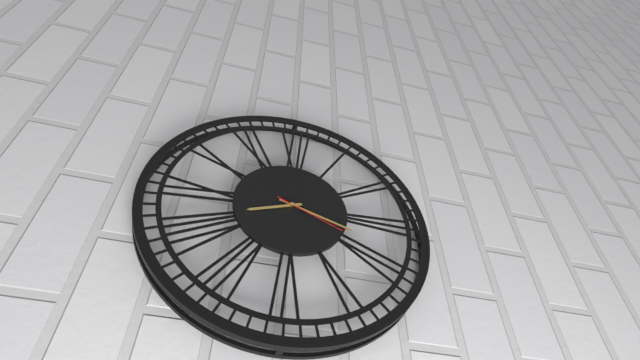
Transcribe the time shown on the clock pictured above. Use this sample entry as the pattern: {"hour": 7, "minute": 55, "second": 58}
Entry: {"hour": 8, "minute": 18, "second": 19}
